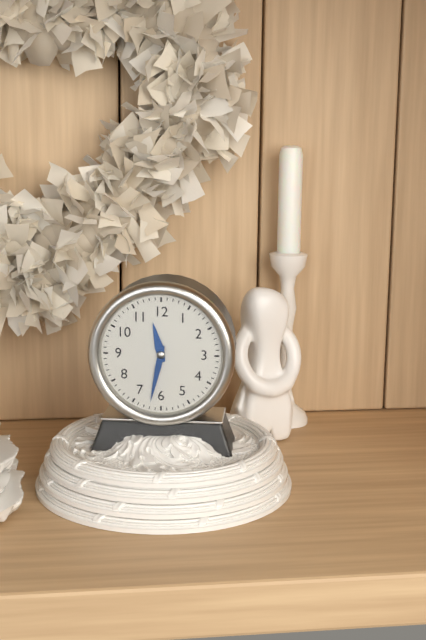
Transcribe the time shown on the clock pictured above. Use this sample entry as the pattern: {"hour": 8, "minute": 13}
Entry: {"hour": 11, "minute": 32}
